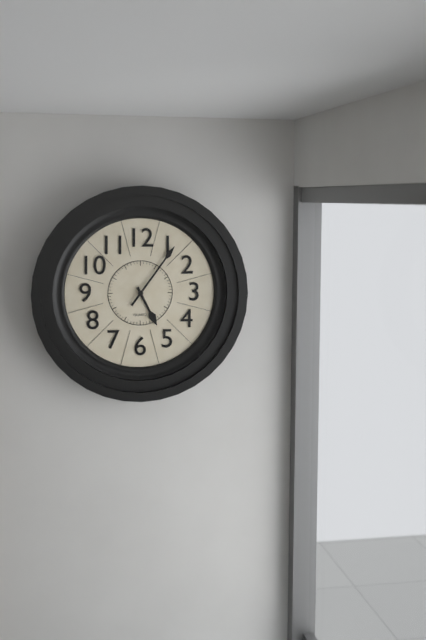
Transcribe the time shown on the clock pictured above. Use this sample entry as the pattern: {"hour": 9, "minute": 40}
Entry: {"hour": 5, "minute": 6}
